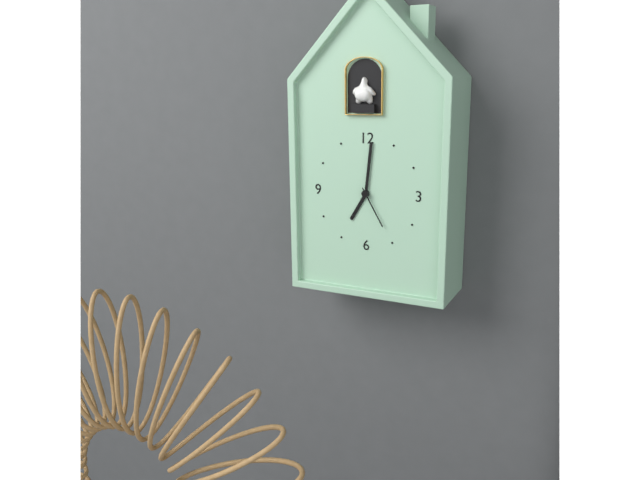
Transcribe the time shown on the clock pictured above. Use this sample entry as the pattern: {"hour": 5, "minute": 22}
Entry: {"hour": 7, "minute": 1}
